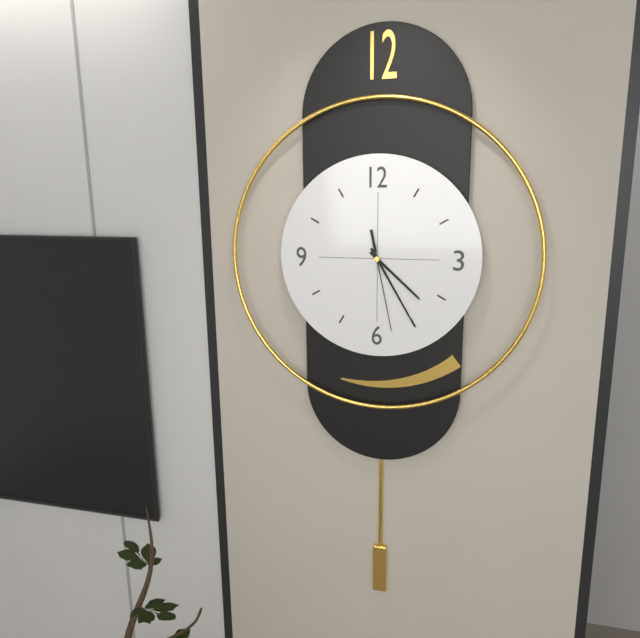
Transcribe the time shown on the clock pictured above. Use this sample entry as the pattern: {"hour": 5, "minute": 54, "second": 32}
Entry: {"hour": 4, "minute": 25, "second": 28}
